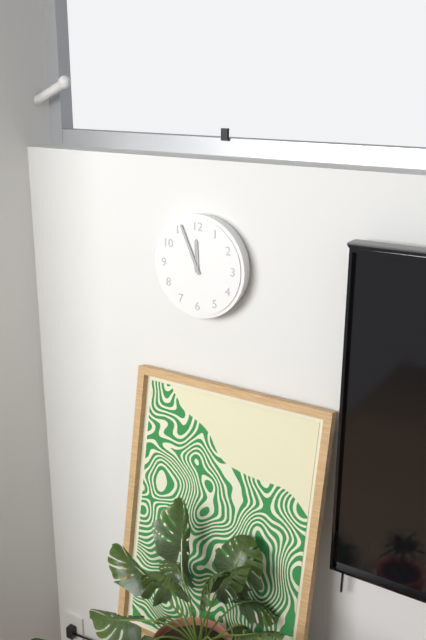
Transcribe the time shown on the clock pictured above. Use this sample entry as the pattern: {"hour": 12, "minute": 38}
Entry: {"hour": 11, "minute": 56}
